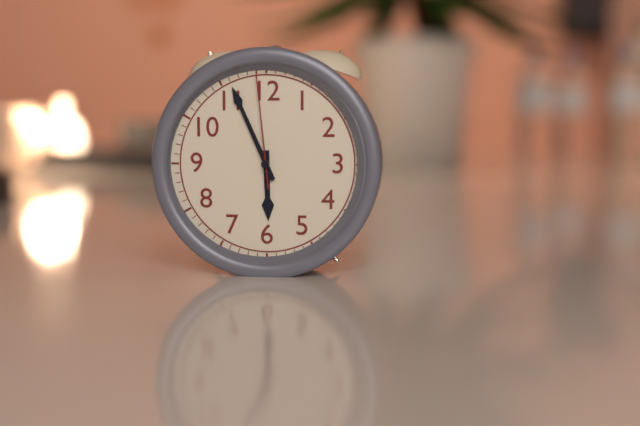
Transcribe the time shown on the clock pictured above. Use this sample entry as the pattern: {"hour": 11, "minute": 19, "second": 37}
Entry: {"hour": 5, "minute": 56, "second": 59}
